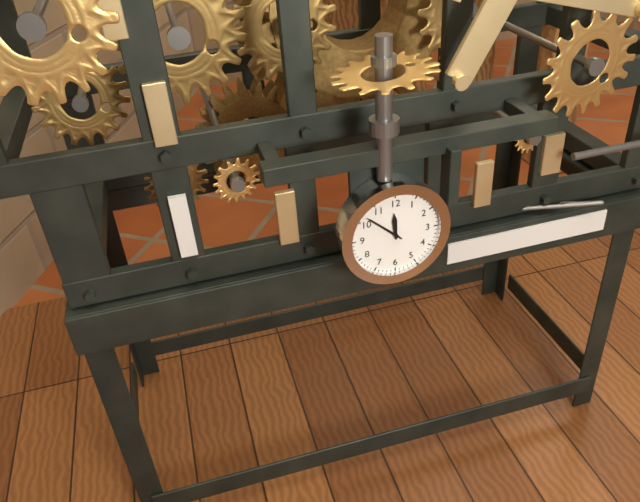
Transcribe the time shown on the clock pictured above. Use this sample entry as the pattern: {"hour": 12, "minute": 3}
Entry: {"hour": 11, "minute": 52}
